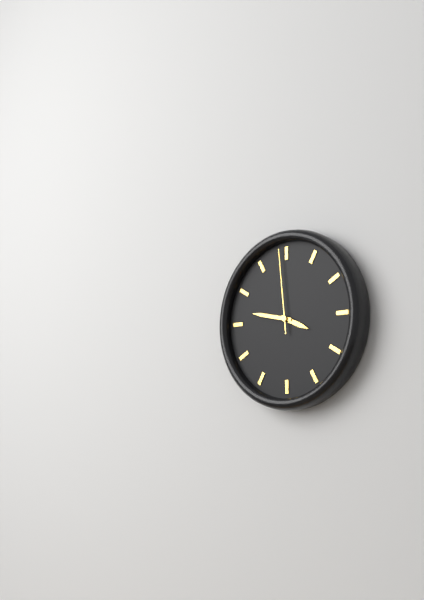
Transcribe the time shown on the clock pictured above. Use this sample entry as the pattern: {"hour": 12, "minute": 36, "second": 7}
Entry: {"hour": 3, "minute": 47, "second": 59}
